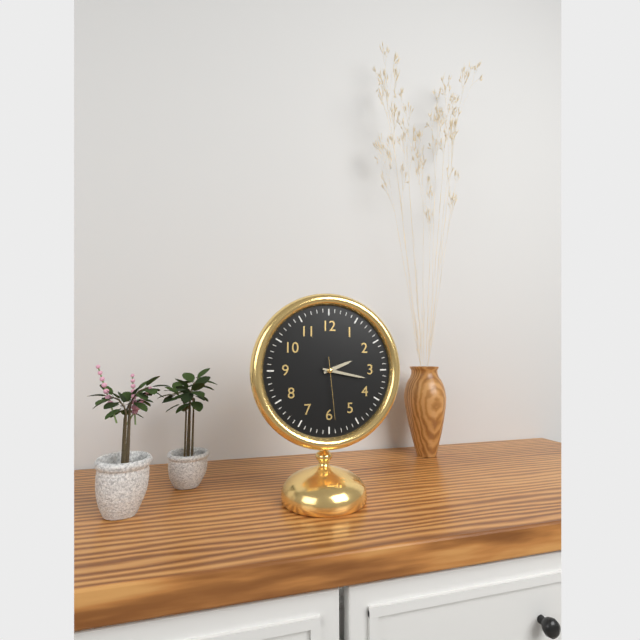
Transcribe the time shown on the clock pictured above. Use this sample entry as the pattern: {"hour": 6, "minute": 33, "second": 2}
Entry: {"hour": 2, "minute": 17, "second": 29}
